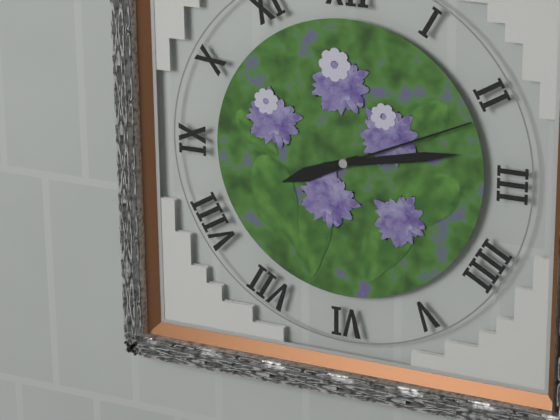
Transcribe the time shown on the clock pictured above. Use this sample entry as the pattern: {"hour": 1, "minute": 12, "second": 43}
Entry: {"hour": 8, "minute": 13, "second": 11}
